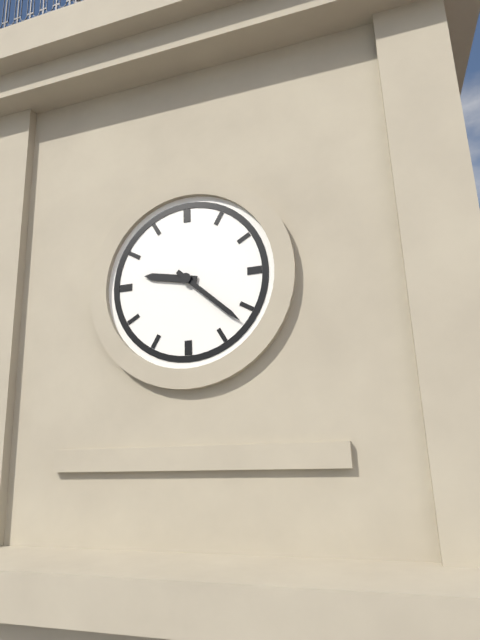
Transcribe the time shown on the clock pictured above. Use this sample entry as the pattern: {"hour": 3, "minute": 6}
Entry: {"hour": 9, "minute": 22}
